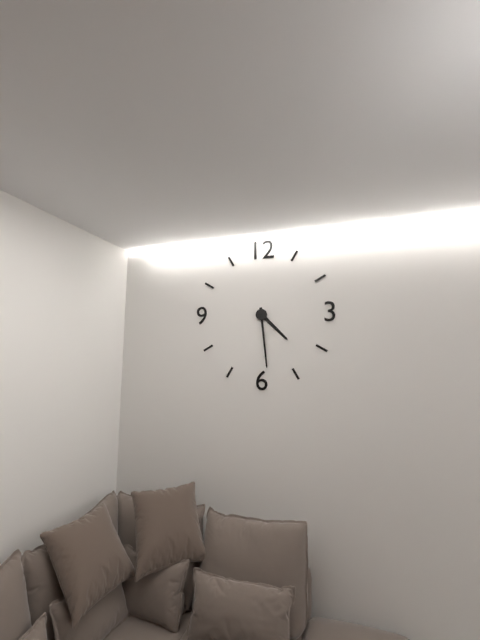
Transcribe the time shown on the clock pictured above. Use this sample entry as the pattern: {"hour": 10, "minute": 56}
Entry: {"hour": 4, "minute": 29}
